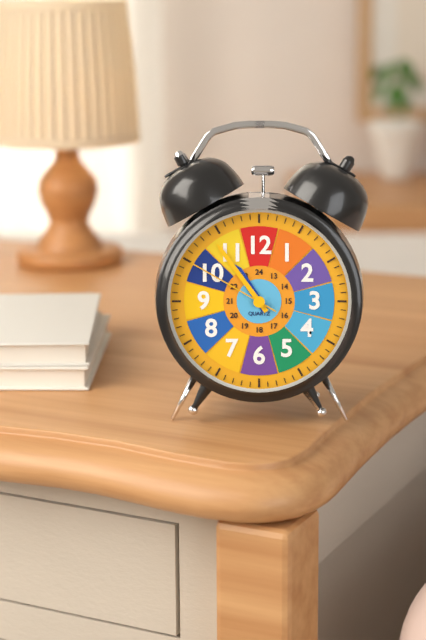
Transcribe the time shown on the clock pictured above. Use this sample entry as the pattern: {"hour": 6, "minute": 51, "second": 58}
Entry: {"hour": 10, "minute": 54, "second": 50}
